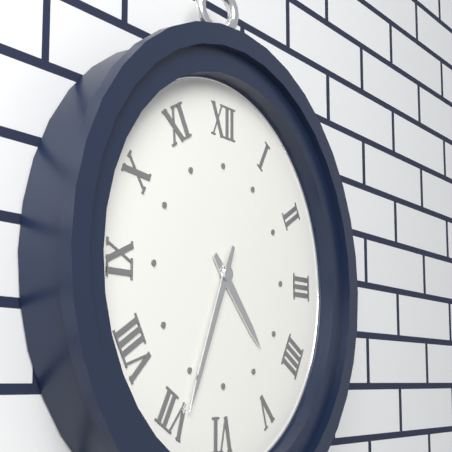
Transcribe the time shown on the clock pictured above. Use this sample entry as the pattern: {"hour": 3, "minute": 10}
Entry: {"hour": 4, "minute": 34}
